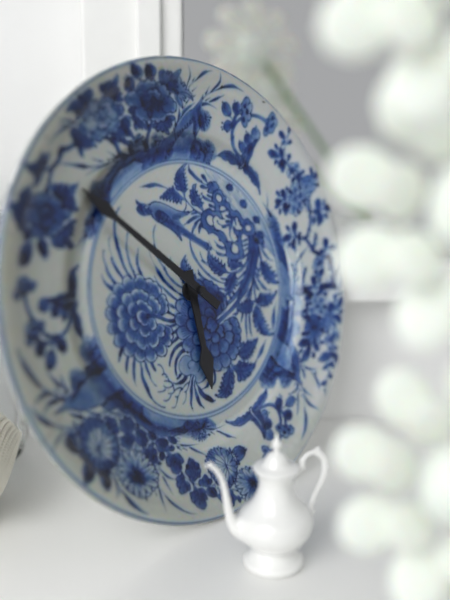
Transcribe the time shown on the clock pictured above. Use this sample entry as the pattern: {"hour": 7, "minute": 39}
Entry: {"hour": 5, "minute": 52}
